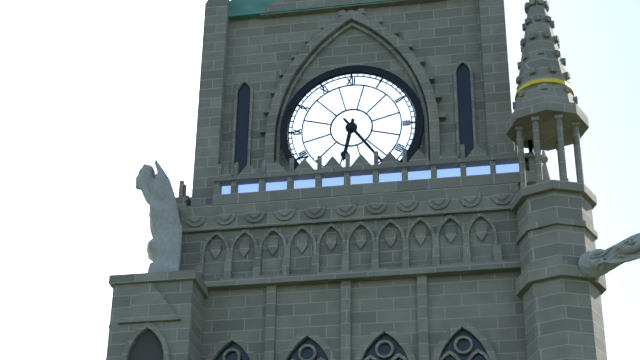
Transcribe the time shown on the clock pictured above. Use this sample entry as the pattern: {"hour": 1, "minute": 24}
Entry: {"hour": 6, "minute": 24}
